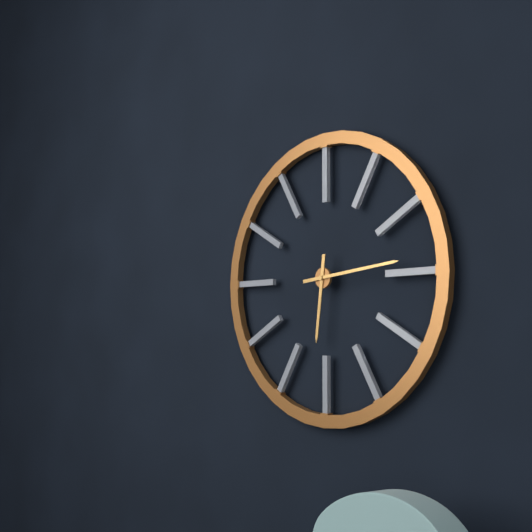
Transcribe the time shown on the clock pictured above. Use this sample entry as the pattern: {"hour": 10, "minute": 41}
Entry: {"hour": 6, "minute": 14}
